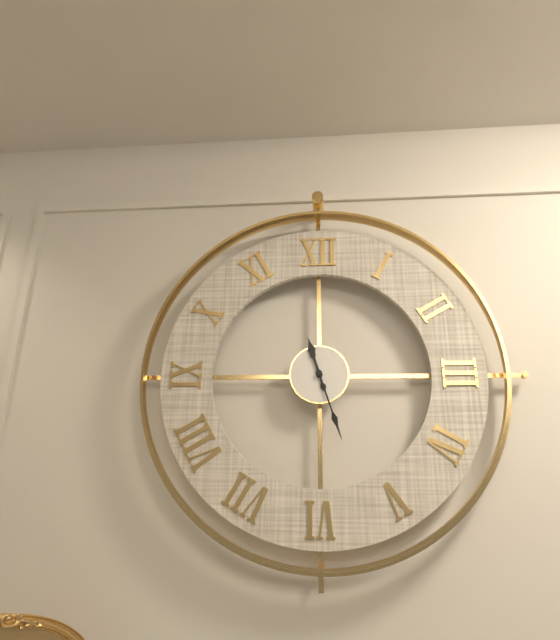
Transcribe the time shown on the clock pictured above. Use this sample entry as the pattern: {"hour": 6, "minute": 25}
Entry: {"hour": 11, "minute": 27}
